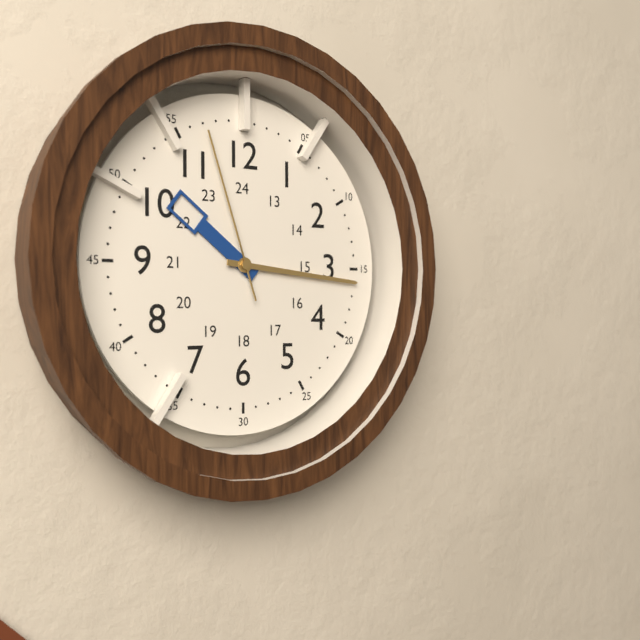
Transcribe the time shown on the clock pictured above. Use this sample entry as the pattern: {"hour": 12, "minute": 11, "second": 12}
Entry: {"hour": 10, "minute": 16, "second": 57}
